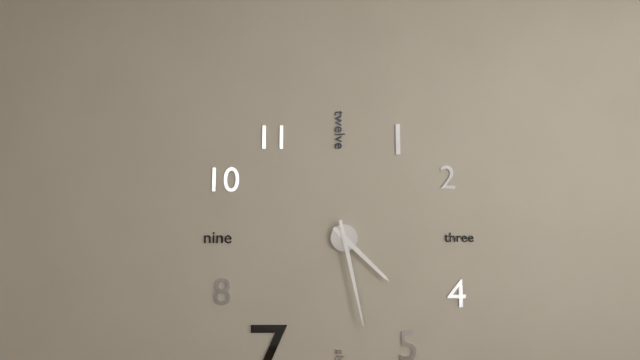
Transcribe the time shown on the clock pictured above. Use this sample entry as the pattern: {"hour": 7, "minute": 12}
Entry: {"hour": 4, "minute": 28}
